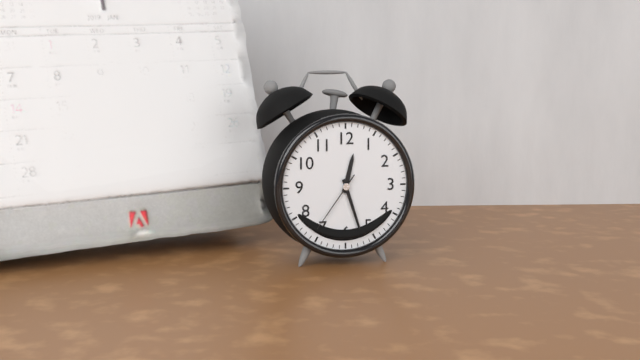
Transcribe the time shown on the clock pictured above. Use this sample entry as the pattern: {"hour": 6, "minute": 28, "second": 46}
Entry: {"hour": 12, "minute": 27, "second": 36}
